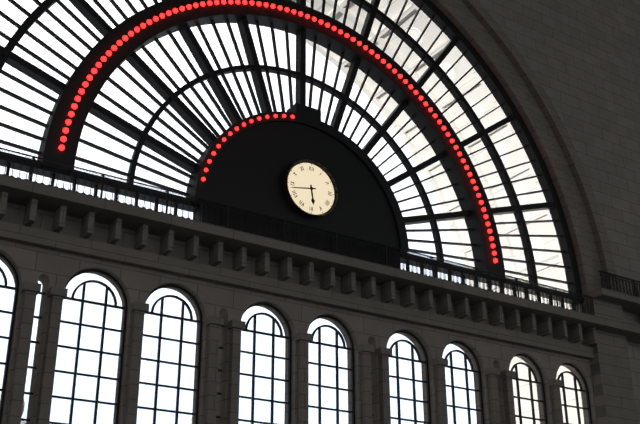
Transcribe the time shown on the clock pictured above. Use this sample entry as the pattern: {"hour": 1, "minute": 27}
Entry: {"hour": 5, "minute": 43}
